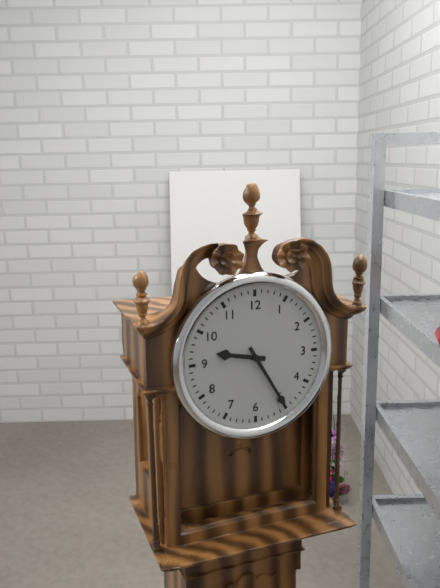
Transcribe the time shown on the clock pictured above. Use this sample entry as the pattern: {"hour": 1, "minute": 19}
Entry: {"hour": 9, "minute": 25}
